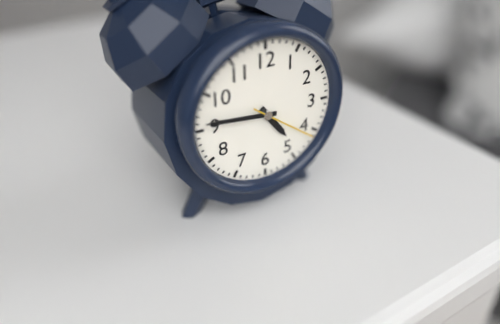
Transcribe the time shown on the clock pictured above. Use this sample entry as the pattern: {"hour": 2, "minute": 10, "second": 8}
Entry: {"hour": 4, "minute": 46, "second": 21}
